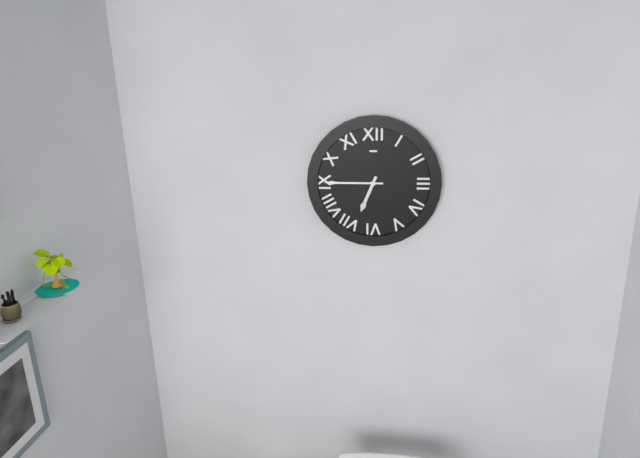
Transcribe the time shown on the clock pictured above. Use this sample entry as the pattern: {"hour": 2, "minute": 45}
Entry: {"hour": 6, "minute": 45}
